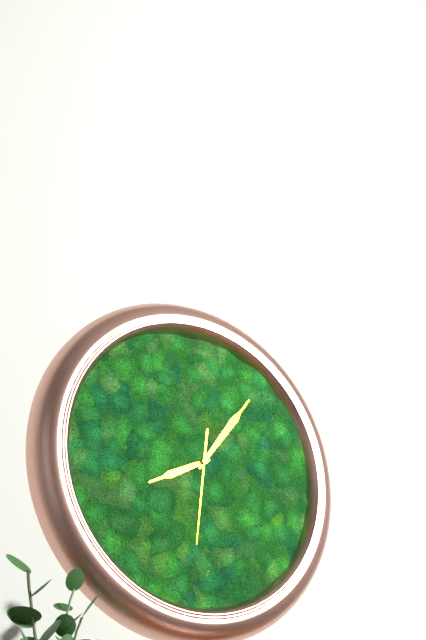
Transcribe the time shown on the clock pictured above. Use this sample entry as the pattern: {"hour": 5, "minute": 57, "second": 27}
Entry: {"hour": 8, "minute": 6, "second": 31}
